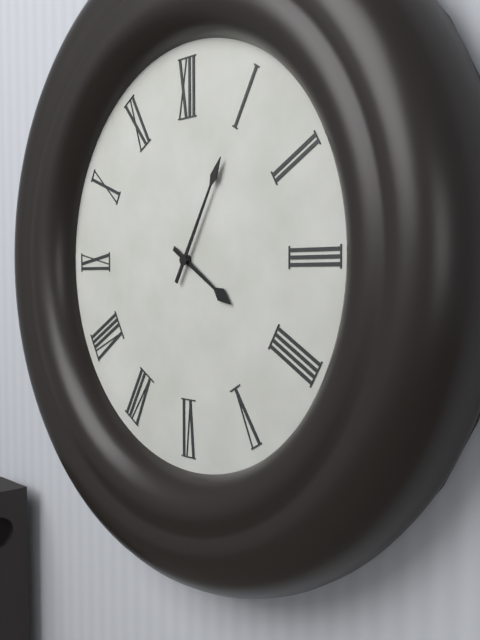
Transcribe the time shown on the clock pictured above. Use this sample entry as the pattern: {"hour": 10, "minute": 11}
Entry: {"hour": 4, "minute": 5}
